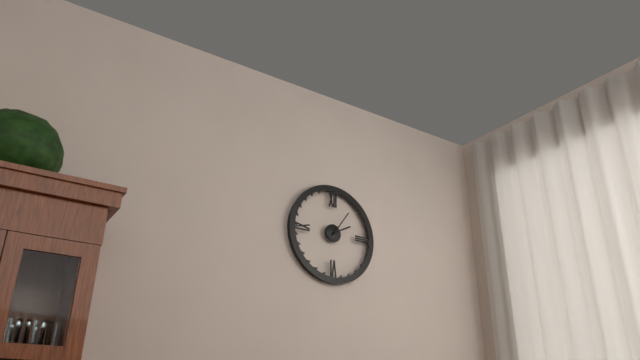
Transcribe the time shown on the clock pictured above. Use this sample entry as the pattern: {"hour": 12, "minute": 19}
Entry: {"hour": 2, "minute": 6}
